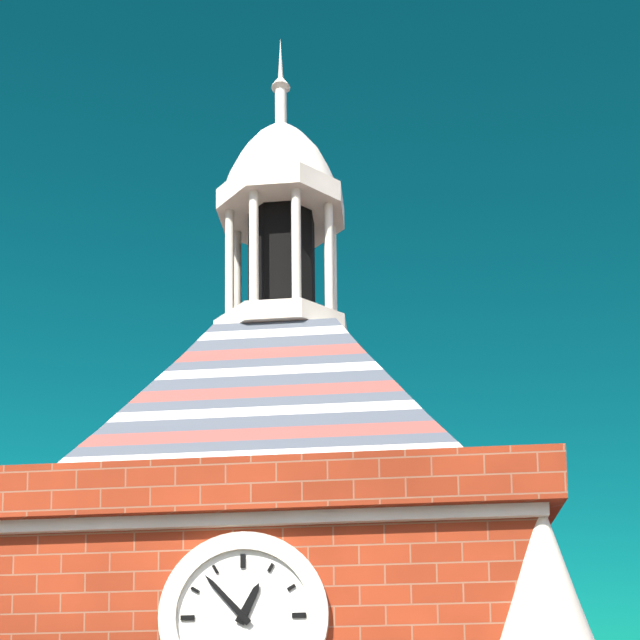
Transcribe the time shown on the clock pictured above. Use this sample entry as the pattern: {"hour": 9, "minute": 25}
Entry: {"hour": 12, "minute": 53}
